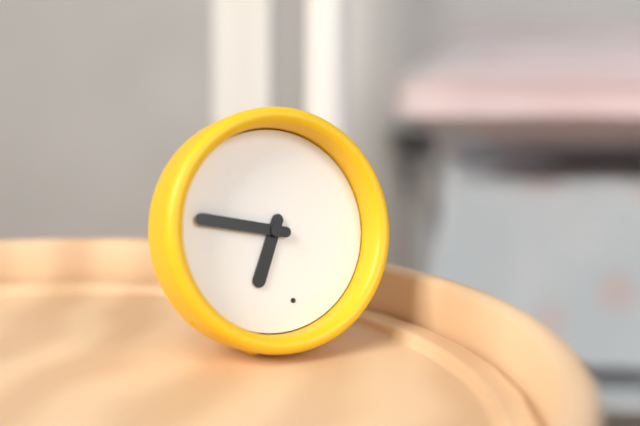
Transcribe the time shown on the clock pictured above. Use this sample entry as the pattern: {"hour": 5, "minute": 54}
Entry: {"hour": 6, "minute": 47}
